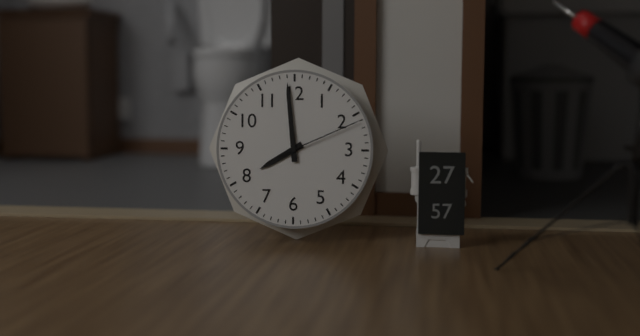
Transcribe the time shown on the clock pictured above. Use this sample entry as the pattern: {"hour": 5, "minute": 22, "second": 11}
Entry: {"hour": 7, "minute": 59, "second": 11}
